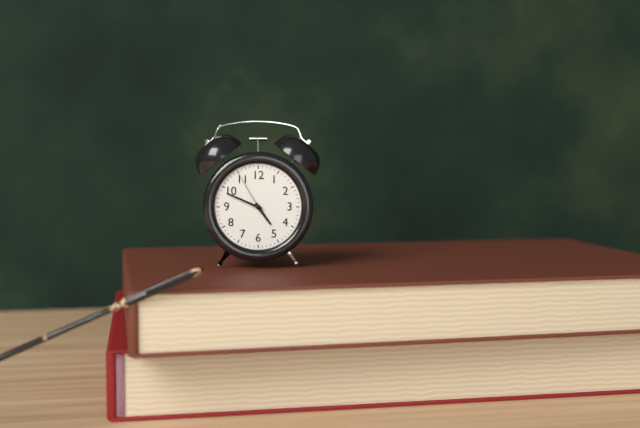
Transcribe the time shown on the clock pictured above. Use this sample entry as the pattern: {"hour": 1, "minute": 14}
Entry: {"hour": 4, "minute": 49}
